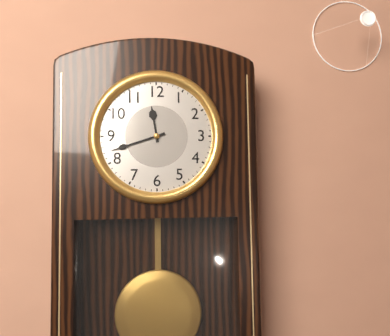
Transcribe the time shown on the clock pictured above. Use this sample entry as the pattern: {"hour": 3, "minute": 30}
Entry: {"hour": 11, "minute": 42}
